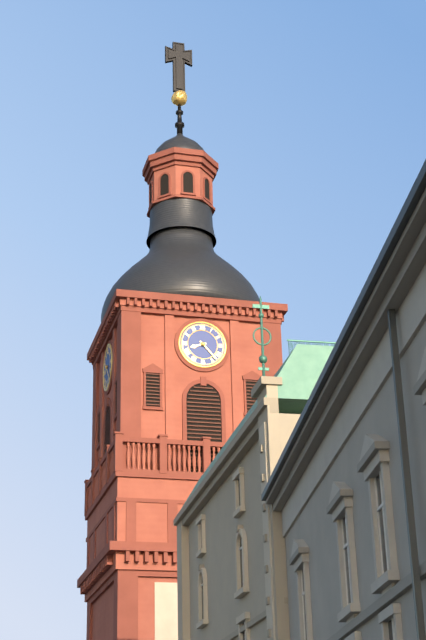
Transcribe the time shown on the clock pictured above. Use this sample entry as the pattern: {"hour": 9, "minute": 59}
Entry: {"hour": 8, "minute": 23}
